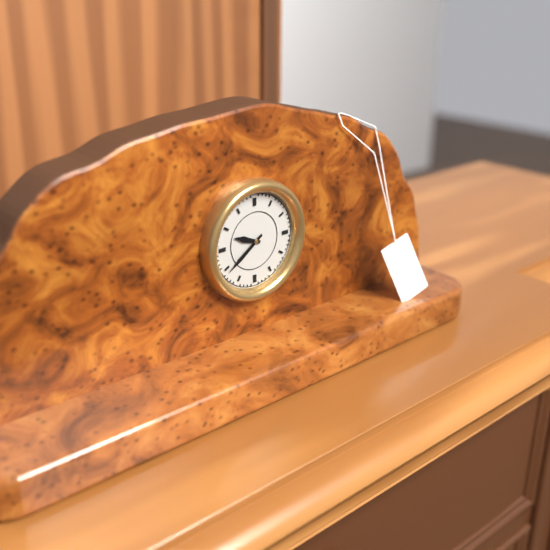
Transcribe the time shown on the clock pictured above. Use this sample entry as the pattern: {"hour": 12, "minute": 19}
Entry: {"hour": 9, "minute": 39}
